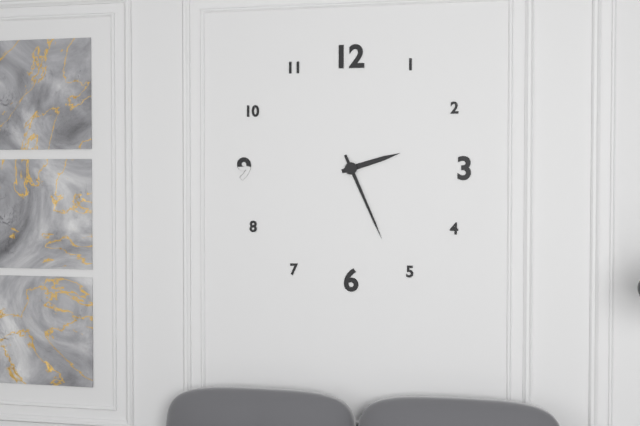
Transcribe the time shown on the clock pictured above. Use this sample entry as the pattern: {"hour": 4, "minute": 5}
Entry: {"hour": 2, "minute": 26}
